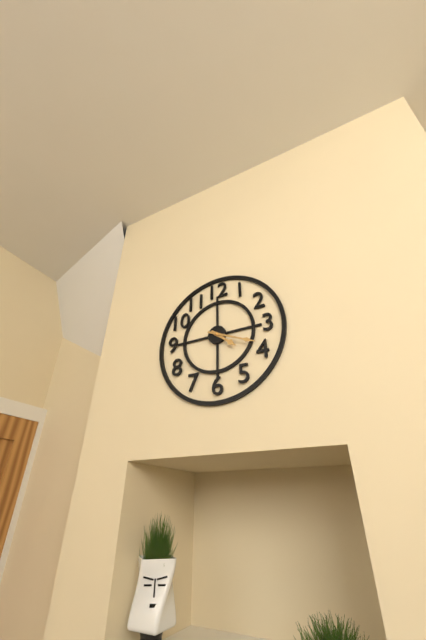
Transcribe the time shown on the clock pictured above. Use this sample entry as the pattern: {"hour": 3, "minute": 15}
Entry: {"hour": 4, "minute": 19}
